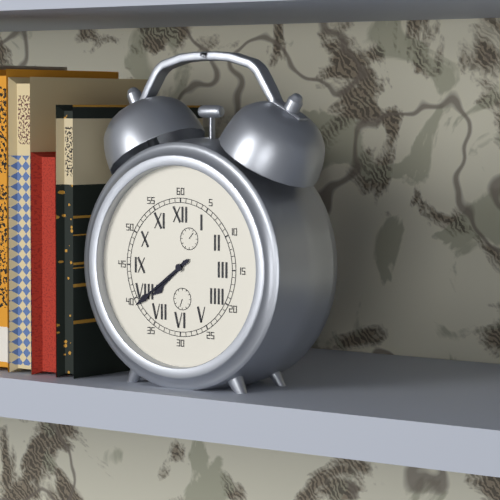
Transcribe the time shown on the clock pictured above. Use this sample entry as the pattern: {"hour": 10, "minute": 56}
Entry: {"hour": 7, "minute": 39}
